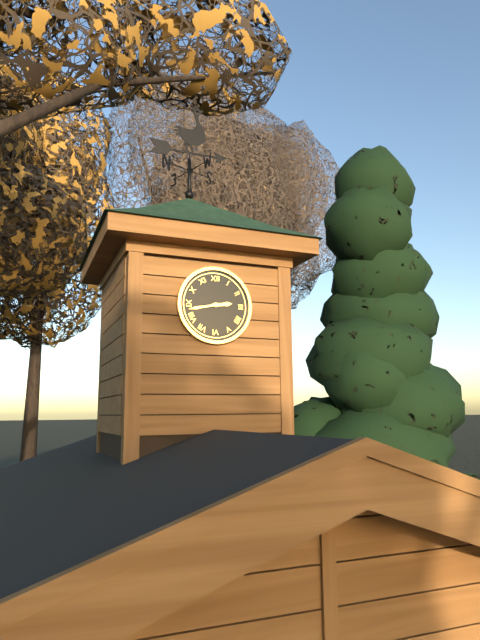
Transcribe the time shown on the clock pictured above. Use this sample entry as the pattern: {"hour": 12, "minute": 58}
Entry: {"hour": 2, "minute": 43}
